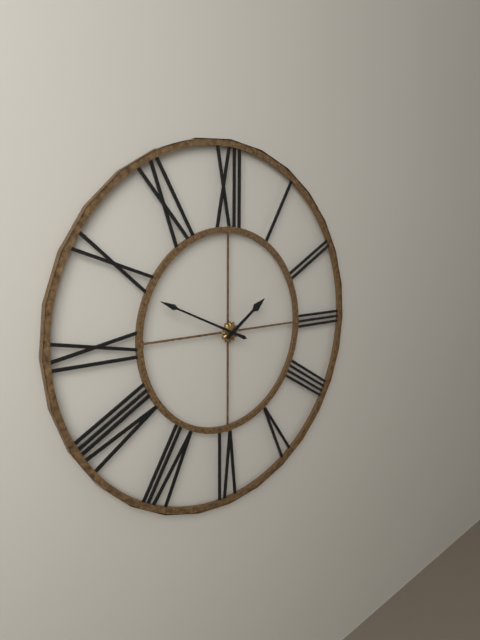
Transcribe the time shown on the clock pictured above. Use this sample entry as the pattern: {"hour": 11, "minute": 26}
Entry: {"hour": 1, "minute": 49}
